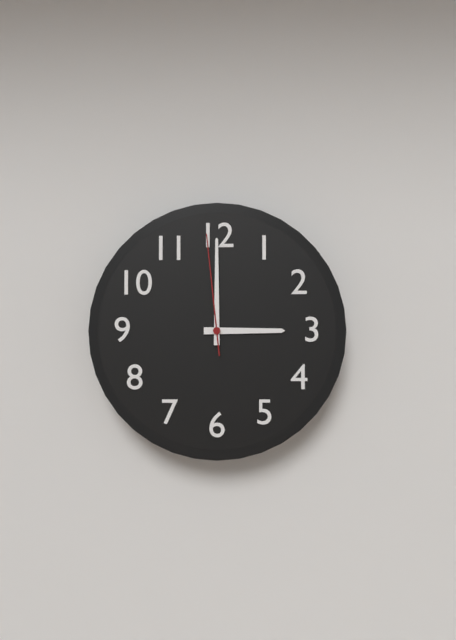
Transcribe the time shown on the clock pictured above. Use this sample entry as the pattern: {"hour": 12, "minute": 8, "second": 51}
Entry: {"hour": 3, "minute": 0, "second": 59}
